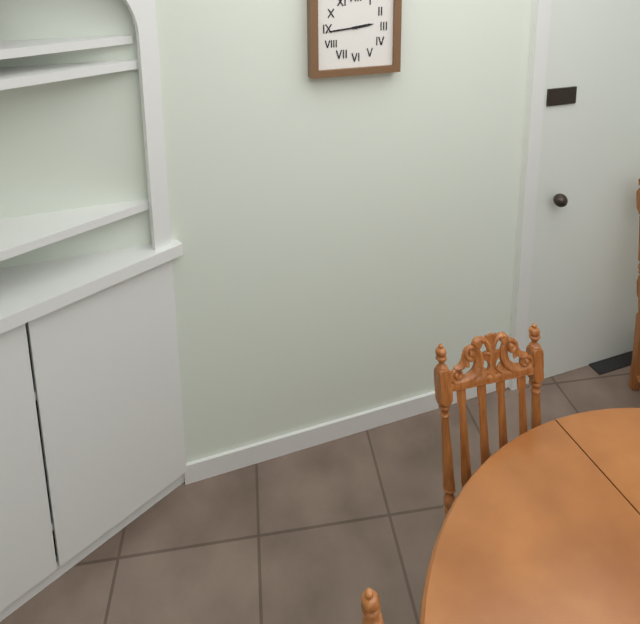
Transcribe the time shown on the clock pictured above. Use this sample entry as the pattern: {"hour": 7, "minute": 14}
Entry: {"hour": 2, "minute": 44}
